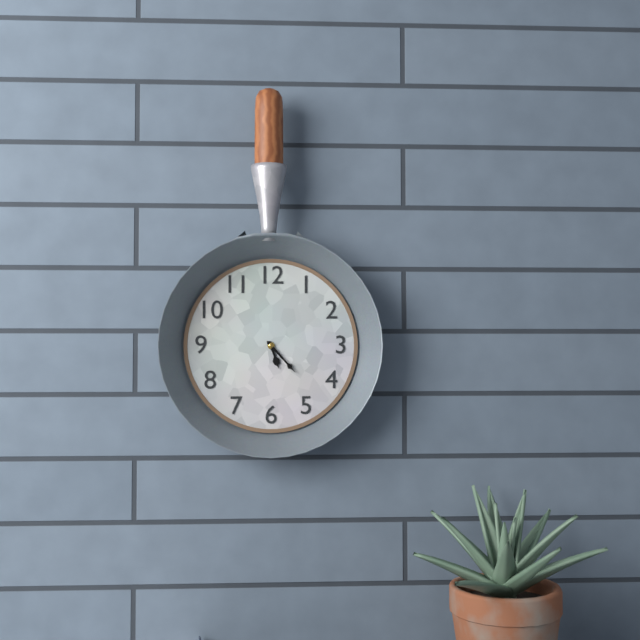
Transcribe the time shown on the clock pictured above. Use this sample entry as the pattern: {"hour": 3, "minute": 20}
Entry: {"hour": 5, "minute": 23}
